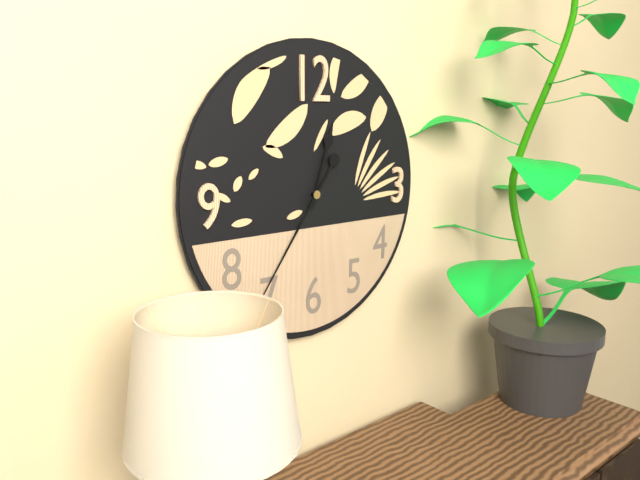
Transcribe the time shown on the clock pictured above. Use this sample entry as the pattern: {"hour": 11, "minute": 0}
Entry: {"hour": 12, "minute": 36}
